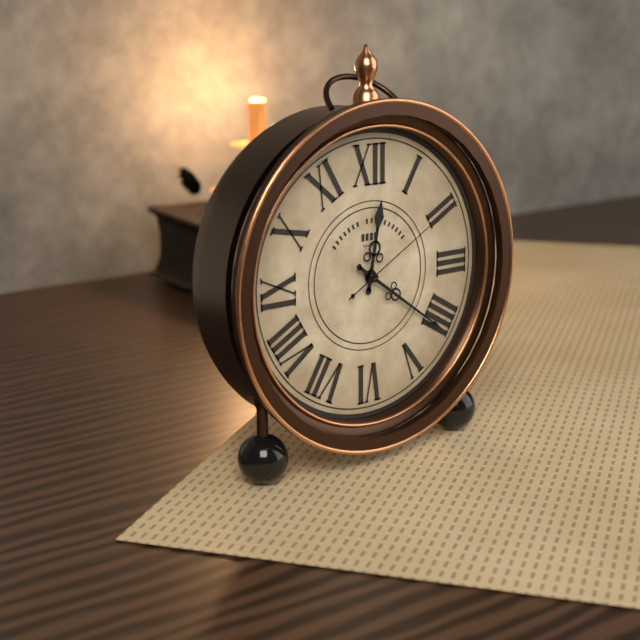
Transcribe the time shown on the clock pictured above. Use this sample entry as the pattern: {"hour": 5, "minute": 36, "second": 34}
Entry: {"hour": 12, "minute": 21, "second": 10}
